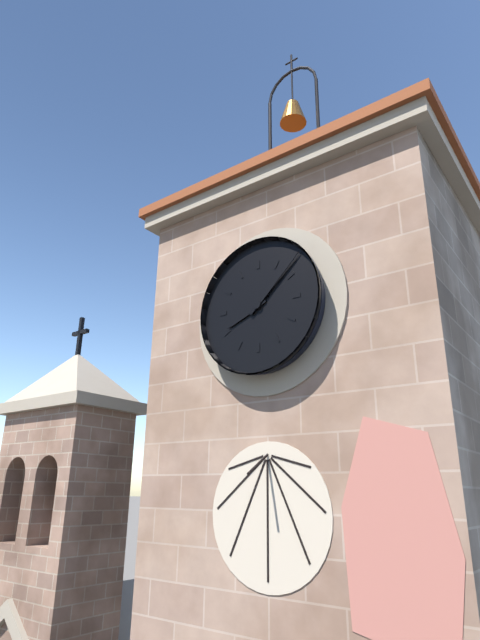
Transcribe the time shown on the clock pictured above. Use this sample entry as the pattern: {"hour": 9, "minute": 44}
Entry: {"hour": 8, "minute": 8}
